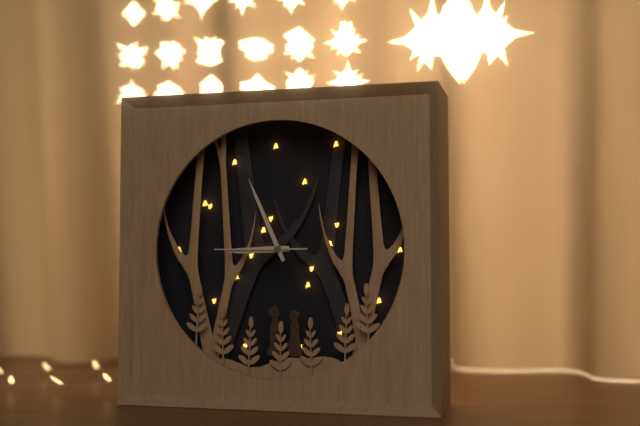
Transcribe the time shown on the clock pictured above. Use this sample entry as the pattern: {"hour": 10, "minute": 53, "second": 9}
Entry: {"hour": 8, "minute": 56, "second": 45}
